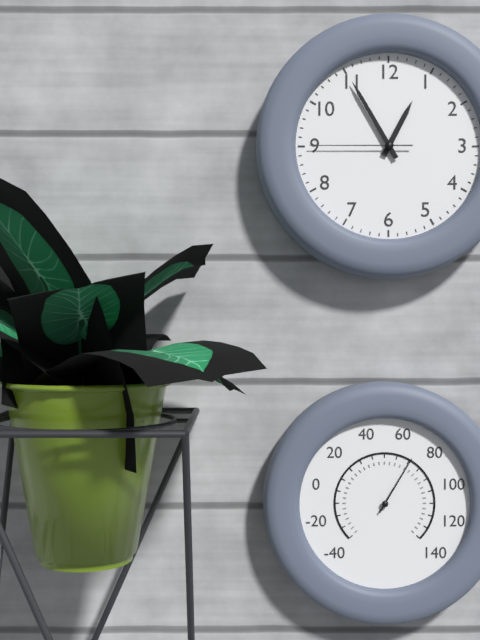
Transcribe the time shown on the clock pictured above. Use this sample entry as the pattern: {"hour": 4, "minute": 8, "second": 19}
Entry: {"hour": 12, "minute": 55, "second": 45}
